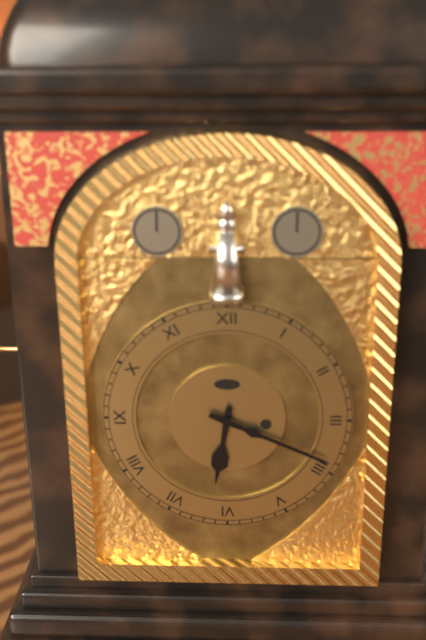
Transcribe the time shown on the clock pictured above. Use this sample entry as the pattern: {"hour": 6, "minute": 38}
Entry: {"hour": 6, "minute": 19}
